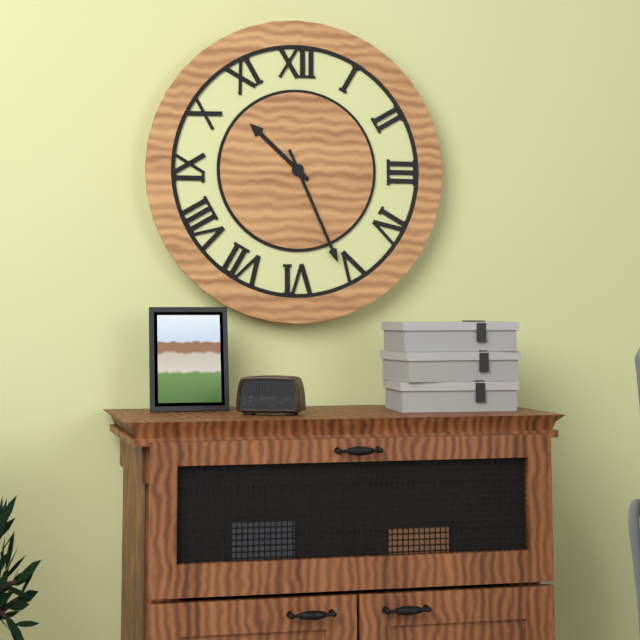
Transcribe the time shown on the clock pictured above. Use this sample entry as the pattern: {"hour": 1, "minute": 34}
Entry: {"hour": 10, "minute": 26}
